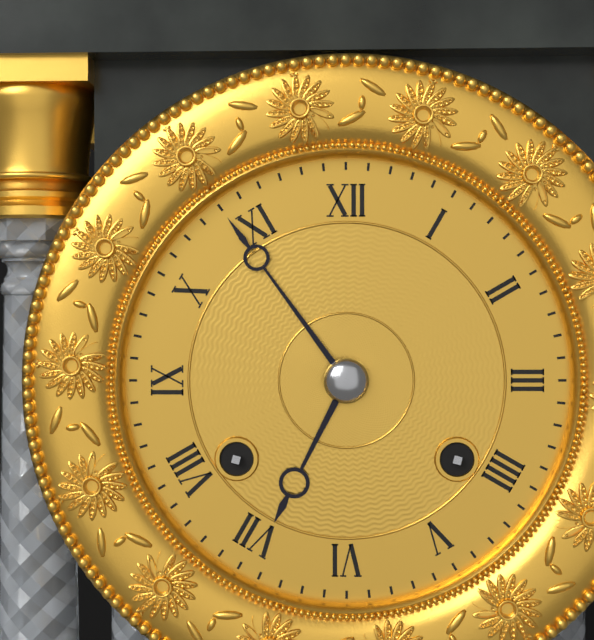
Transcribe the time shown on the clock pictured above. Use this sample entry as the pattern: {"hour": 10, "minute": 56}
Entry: {"hour": 6, "minute": 54}
